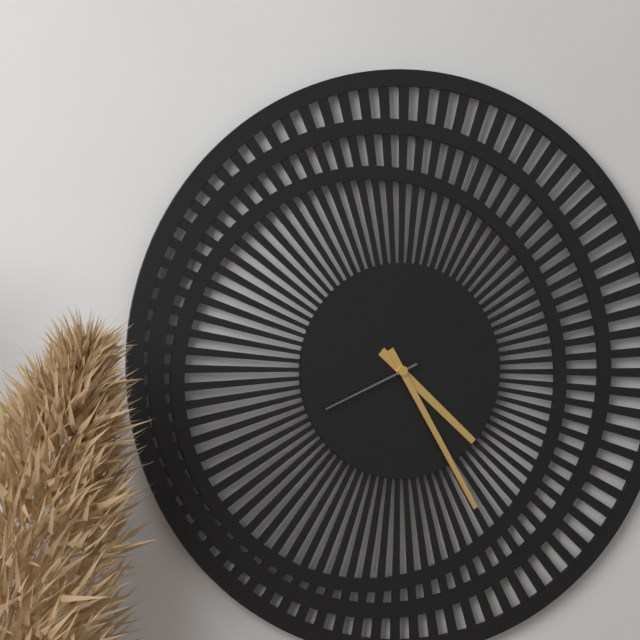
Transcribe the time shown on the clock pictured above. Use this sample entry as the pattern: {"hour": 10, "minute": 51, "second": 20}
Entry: {"hour": 4, "minute": 25, "second": 41}
